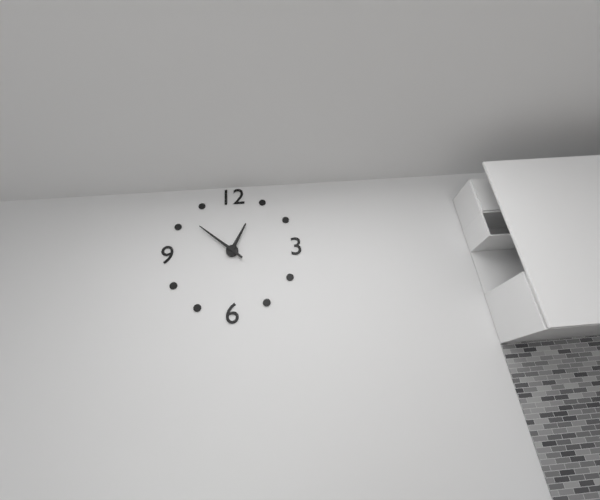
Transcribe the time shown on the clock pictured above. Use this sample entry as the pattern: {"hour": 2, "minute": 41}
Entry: {"hour": 12, "minute": 52}
